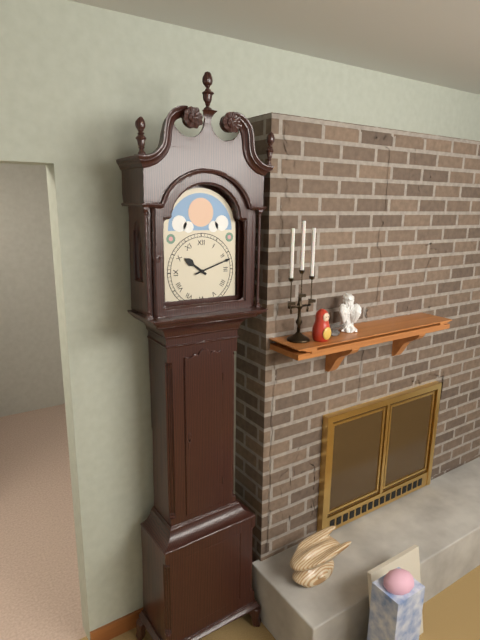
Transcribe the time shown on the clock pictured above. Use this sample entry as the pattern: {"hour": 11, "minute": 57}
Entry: {"hour": 10, "minute": 12}
